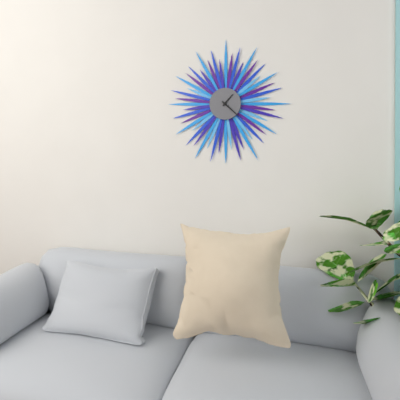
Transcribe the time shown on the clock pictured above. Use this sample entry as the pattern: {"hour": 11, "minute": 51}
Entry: {"hour": 1, "minute": 22}
